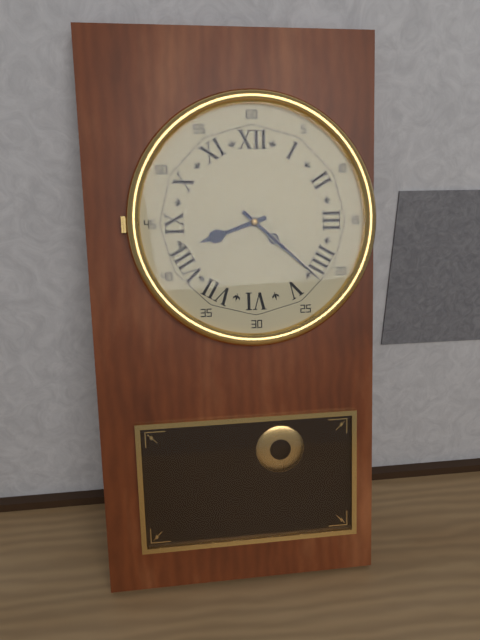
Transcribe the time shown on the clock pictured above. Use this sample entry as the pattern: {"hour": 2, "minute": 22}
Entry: {"hour": 8, "minute": 22}
